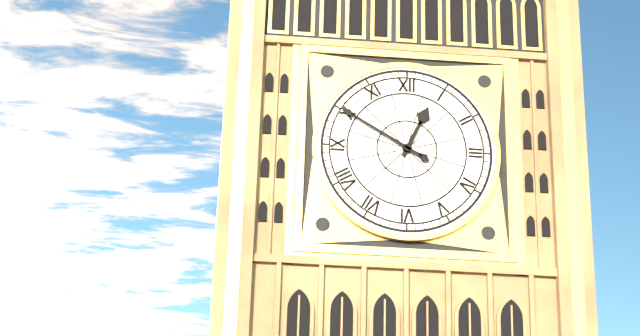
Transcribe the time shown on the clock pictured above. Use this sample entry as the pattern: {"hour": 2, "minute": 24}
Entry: {"hour": 12, "minute": 50}
